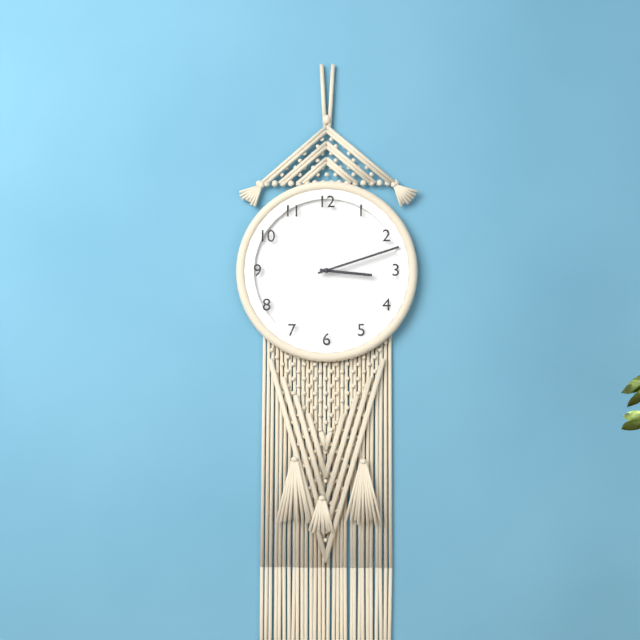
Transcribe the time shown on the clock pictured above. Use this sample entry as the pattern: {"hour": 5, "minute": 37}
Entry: {"hour": 3, "minute": 12}
